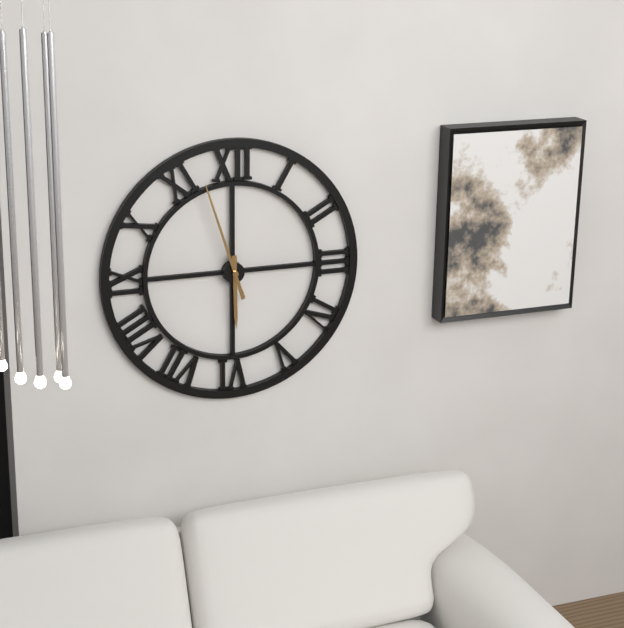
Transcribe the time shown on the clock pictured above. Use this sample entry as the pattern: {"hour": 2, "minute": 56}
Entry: {"hour": 5, "minute": 57}
